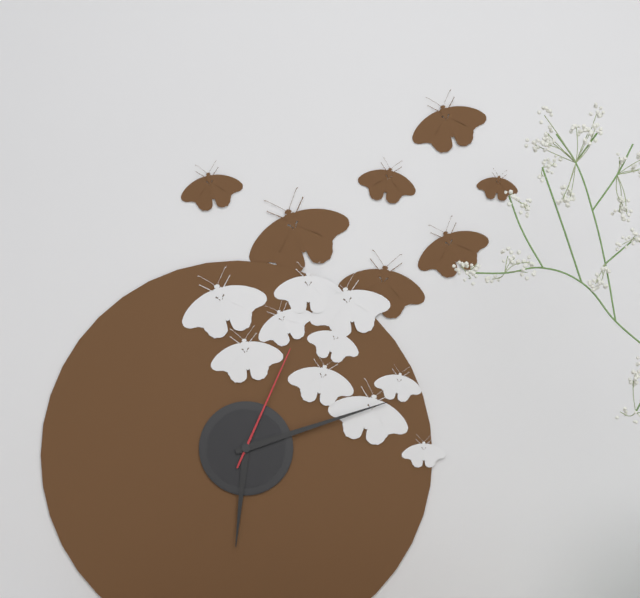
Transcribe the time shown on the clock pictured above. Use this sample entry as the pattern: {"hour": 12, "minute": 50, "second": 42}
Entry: {"hour": 6, "minute": 12, "second": 4}
